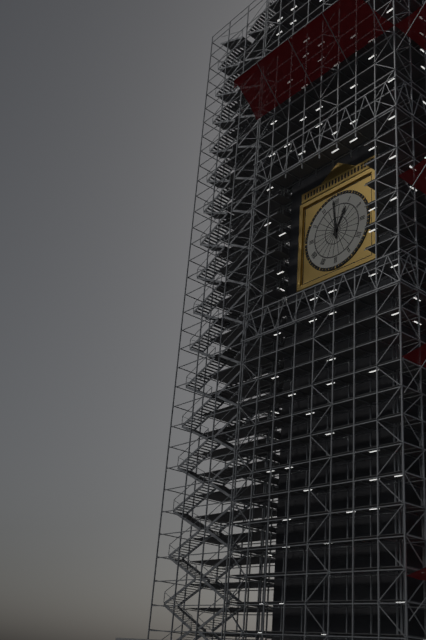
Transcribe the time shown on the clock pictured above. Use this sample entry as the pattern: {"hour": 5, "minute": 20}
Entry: {"hour": 12, "minute": 59}
